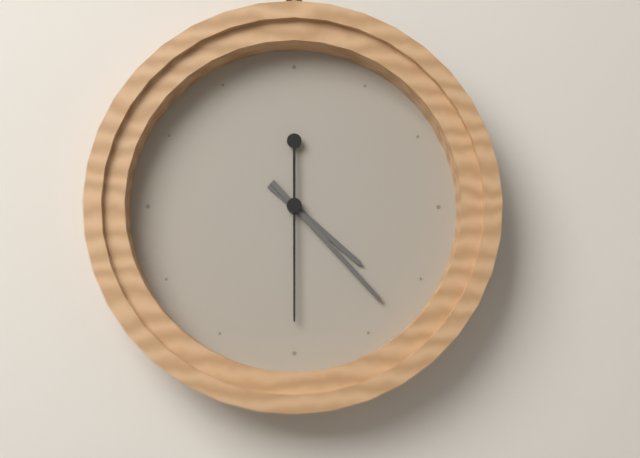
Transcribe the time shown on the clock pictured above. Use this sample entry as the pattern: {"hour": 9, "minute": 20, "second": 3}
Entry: {"hour": 4, "minute": 23, "second": 30}
